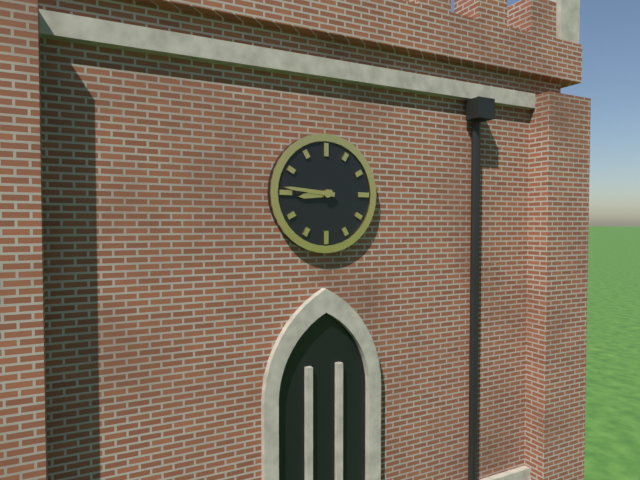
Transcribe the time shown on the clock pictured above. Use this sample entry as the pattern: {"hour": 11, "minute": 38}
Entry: {"hour": 8, "minute": 46}
